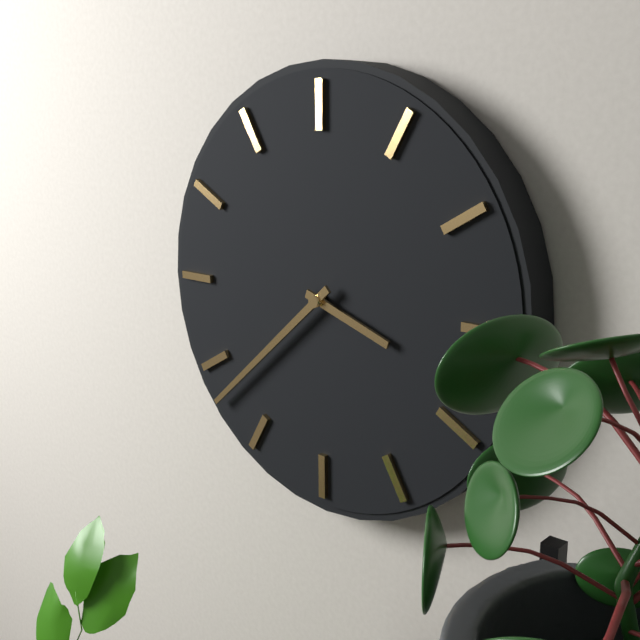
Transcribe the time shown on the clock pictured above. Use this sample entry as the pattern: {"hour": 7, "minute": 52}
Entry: {"hour": 3, "minute": 38}
